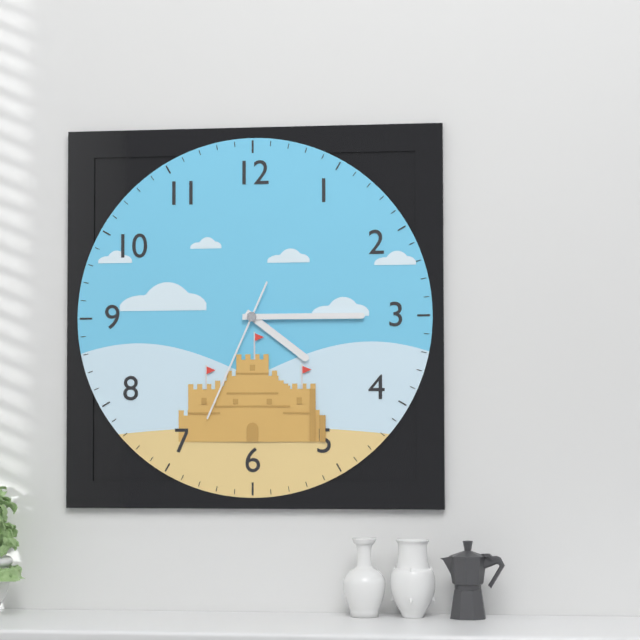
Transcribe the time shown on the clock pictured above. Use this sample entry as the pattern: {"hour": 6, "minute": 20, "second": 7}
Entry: {"hour": 4, "minute": 15, "second": 34}
